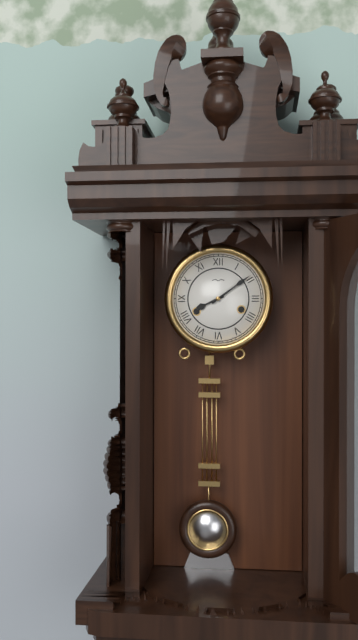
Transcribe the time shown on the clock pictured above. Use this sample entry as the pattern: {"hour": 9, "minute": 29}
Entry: {"hour": 8, "minute": 9}
